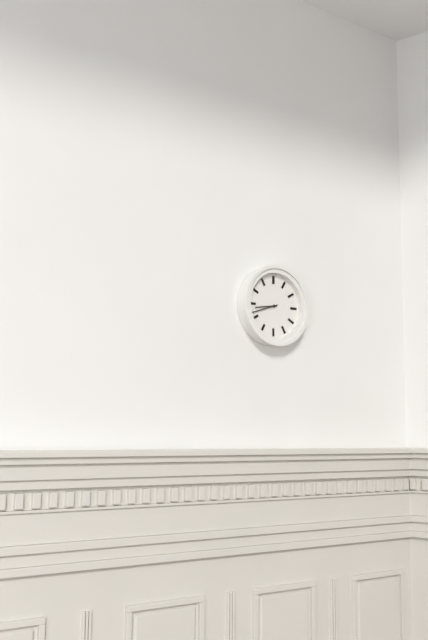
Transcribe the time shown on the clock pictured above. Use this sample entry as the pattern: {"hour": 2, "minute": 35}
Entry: {"hour": 8, "minute": 42}
